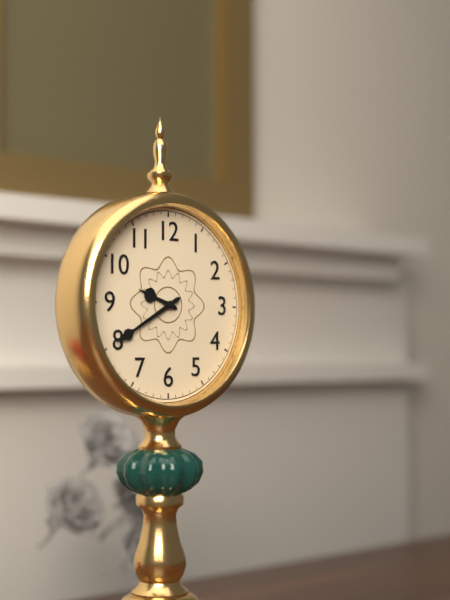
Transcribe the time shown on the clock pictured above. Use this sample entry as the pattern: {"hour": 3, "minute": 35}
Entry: {"hour": 9, "minute": 40}
